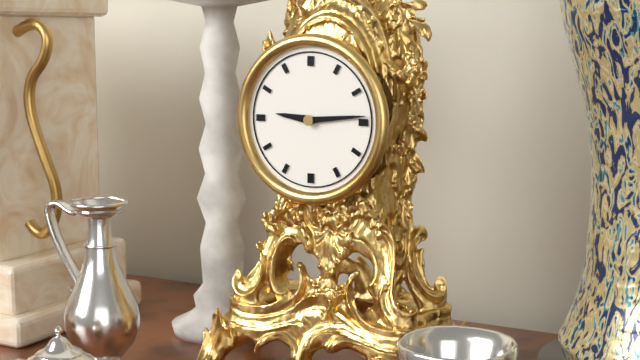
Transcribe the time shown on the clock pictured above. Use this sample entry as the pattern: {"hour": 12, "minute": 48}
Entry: {"hour": 9, "minute": 14}
